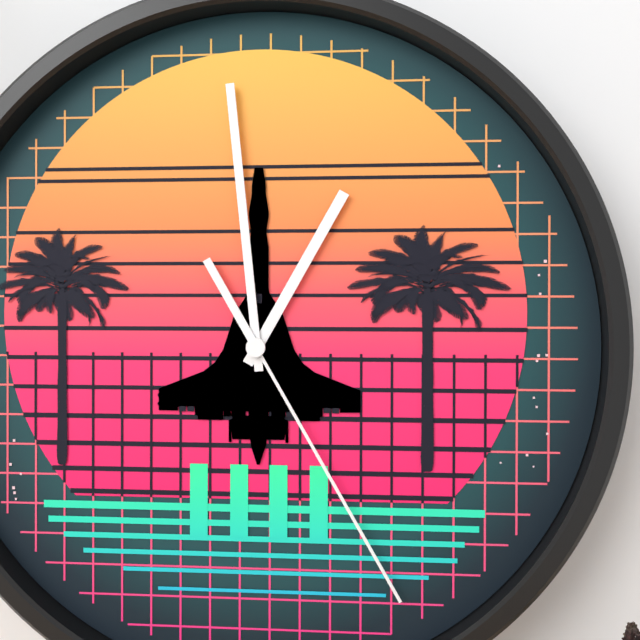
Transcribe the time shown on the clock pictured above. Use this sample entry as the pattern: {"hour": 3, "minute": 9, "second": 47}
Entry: {"hour": 12, "minute": 59, "second": 25}
